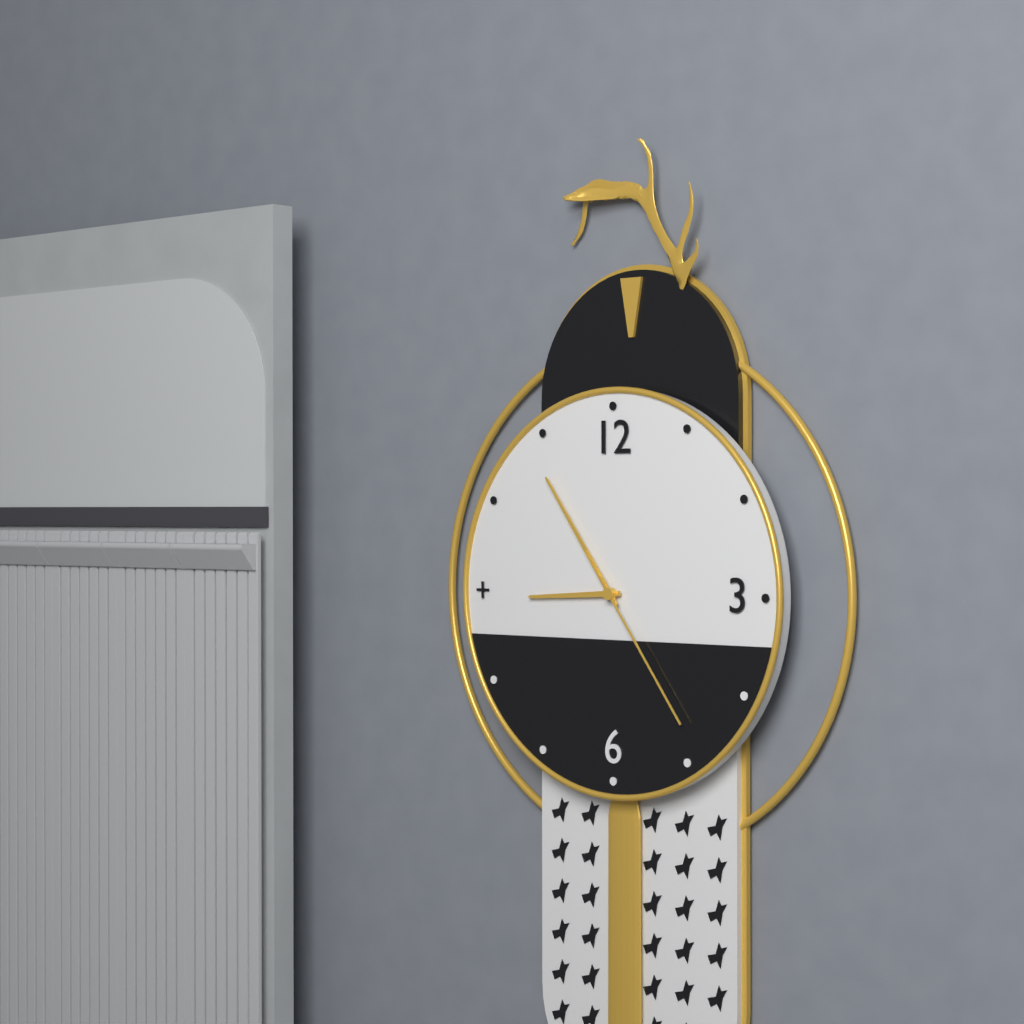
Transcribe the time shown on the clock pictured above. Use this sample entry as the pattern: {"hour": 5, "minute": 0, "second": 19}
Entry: {"hour": 8, "minute": 54, "second": 24}
